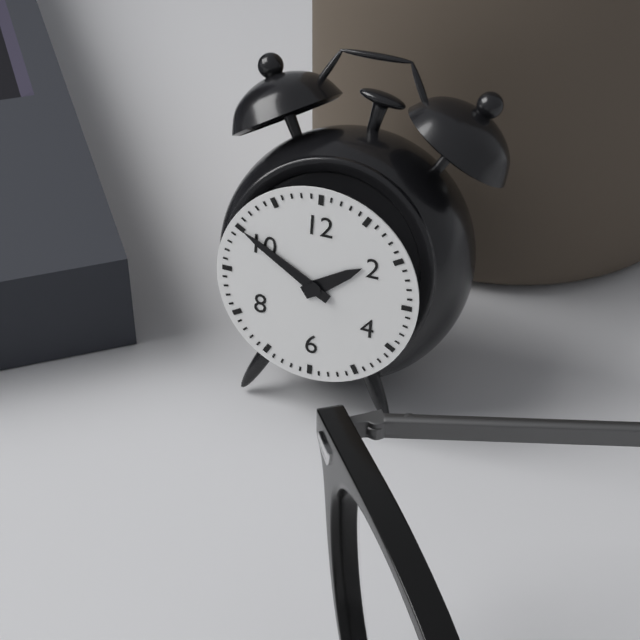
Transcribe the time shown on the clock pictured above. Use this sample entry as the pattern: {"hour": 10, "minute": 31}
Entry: {"hour": 1, "minute": 50}
